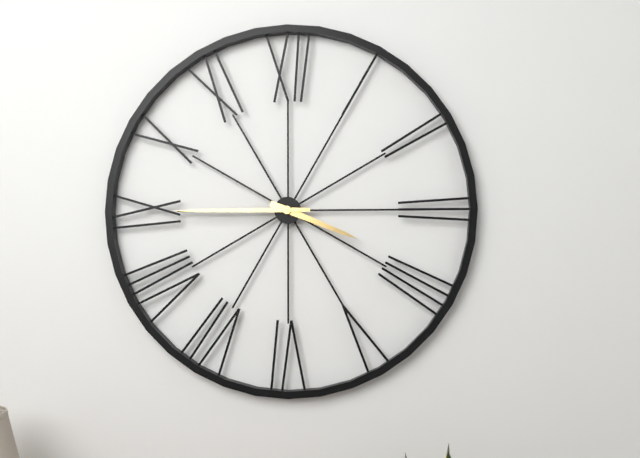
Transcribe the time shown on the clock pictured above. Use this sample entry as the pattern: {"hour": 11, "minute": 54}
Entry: {"hour": 3, "minute": 45}
